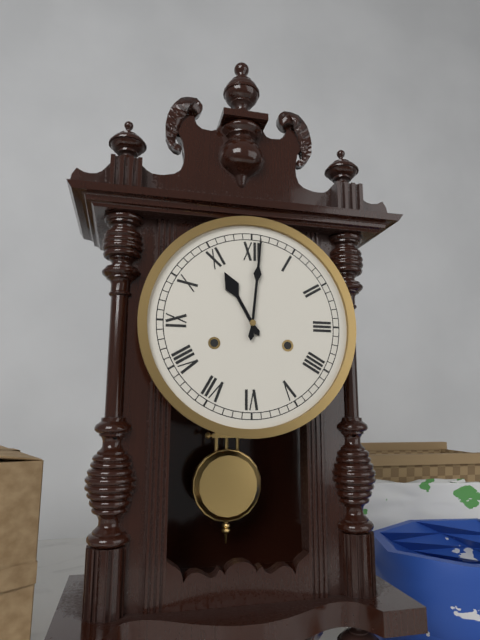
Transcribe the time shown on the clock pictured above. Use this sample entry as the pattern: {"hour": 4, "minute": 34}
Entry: {"hour": 11, "minute": 1}
